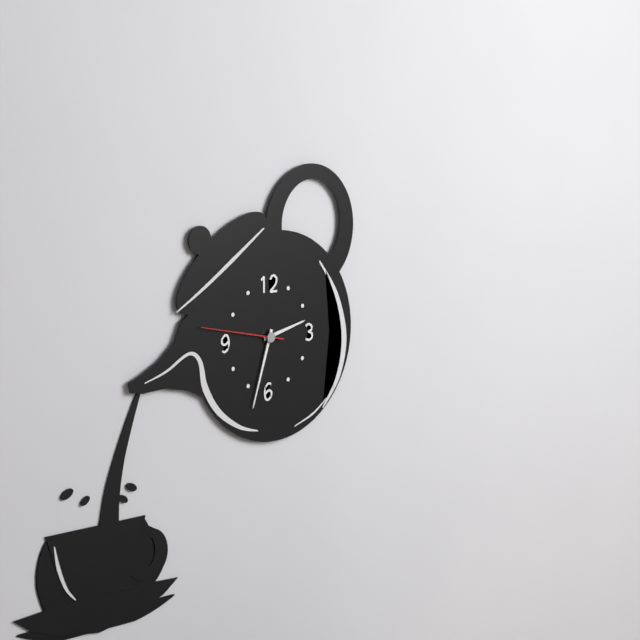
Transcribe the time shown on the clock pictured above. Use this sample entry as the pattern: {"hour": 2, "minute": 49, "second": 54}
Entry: {"hour": 2, "minute": 33, "second": 47}
